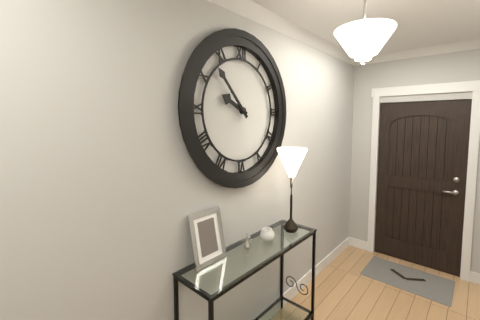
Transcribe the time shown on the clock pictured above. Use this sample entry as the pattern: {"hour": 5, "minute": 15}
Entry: {"hour": 9, "minute": 53}
